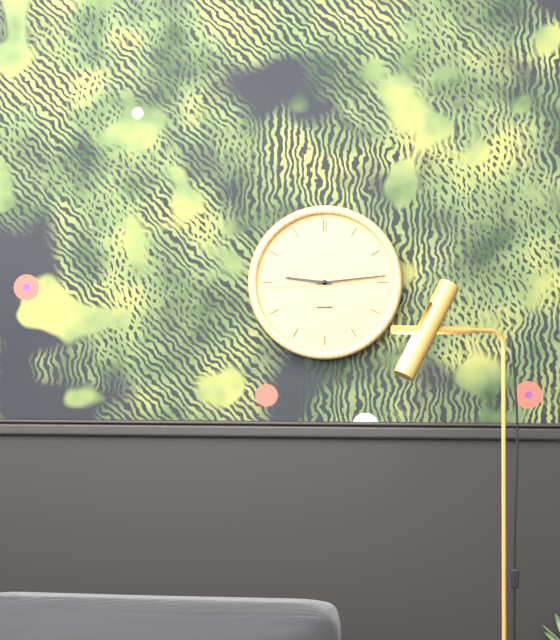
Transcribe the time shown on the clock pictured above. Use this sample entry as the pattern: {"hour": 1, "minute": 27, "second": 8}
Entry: {"hour": 9, "minute": 14, "second": 44}
